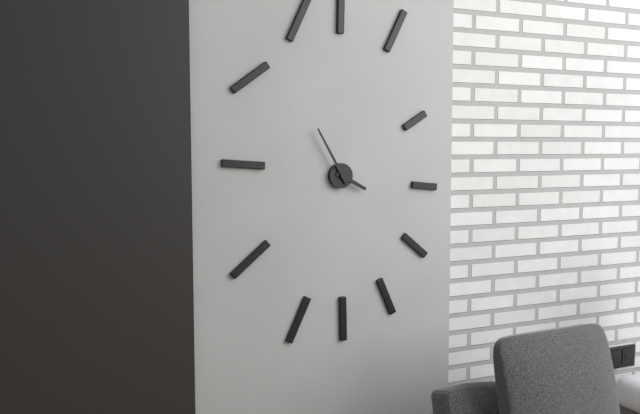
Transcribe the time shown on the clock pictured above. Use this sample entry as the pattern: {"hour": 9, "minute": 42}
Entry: {"hour": 3, "minute": 55}
